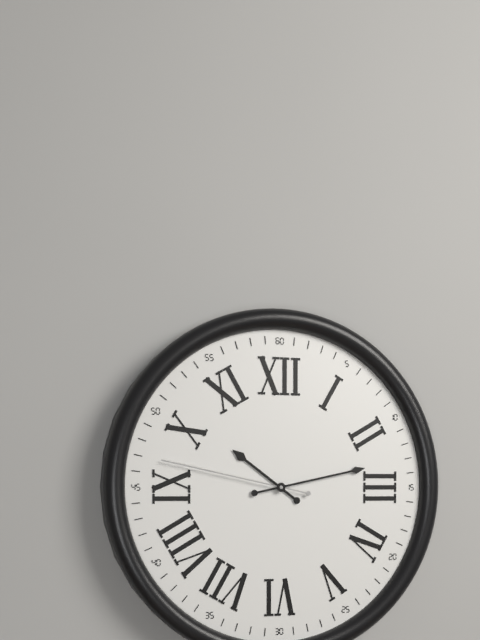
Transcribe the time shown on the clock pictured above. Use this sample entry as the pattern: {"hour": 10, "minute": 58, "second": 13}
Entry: {"hour": 10, "minute": 13, "second": 47}
